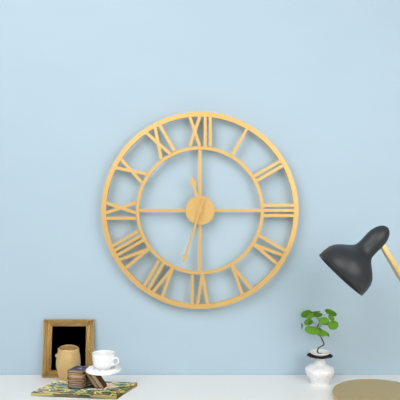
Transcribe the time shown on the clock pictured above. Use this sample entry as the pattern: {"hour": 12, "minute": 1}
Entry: {"hour": 11, "minute": 33}
